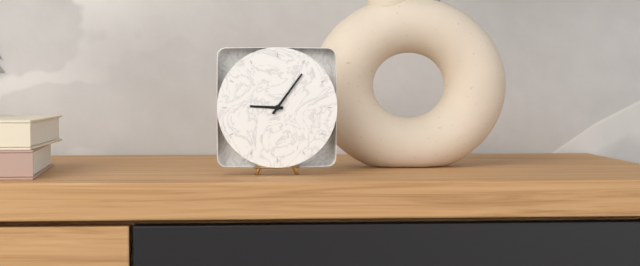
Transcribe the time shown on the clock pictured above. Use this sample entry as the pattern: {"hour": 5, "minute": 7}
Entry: {"hour": 9, "minute": 6}
